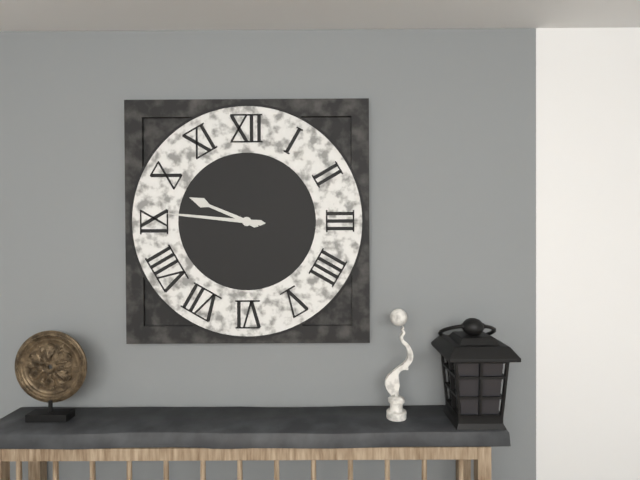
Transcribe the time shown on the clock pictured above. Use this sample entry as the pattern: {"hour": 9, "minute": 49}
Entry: {"hour": 9, "minute": 46}
